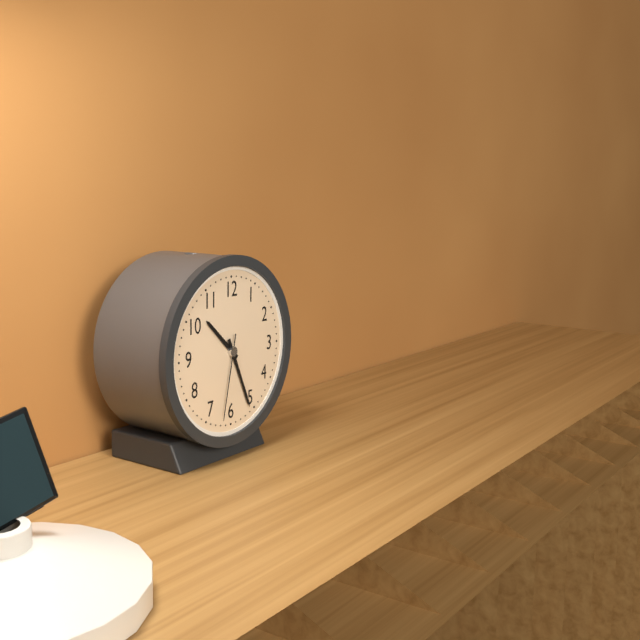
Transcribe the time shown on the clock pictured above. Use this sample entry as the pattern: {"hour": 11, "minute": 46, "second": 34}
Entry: {"hour": 10, "minute": 26, "second": 32}
